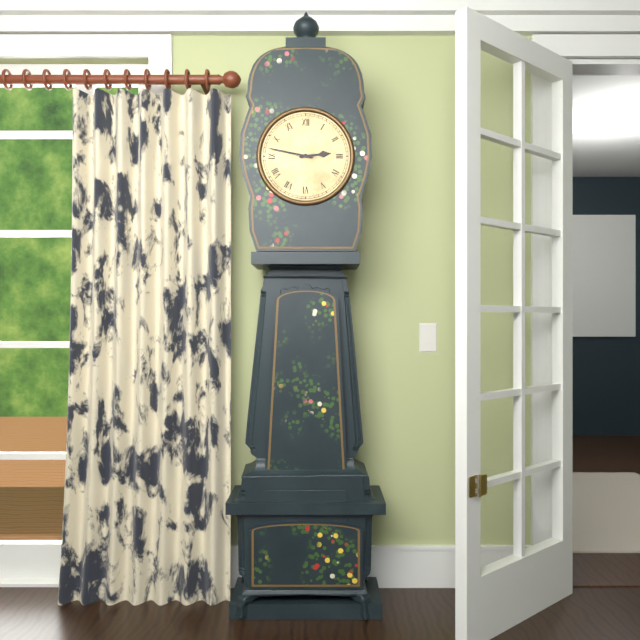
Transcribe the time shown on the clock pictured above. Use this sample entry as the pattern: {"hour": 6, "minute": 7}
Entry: {"hour": 2, "minute": 47}
